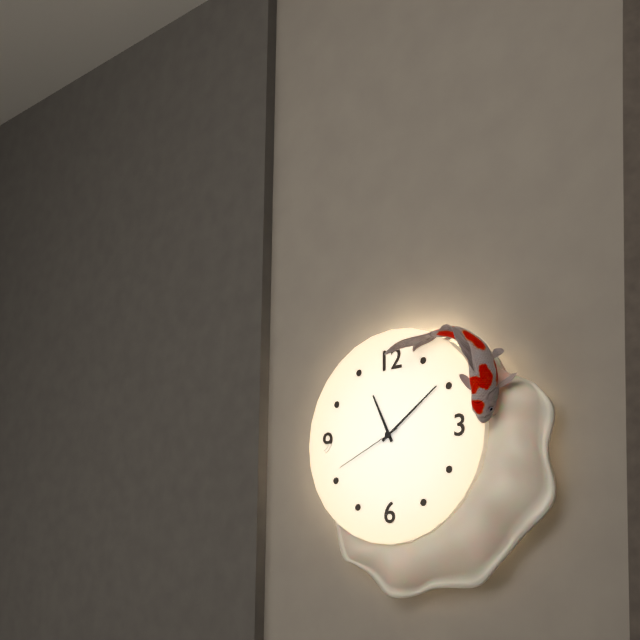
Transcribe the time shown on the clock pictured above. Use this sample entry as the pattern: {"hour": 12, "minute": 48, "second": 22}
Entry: {"hour": 11, "minute": 9, "second": 41}
